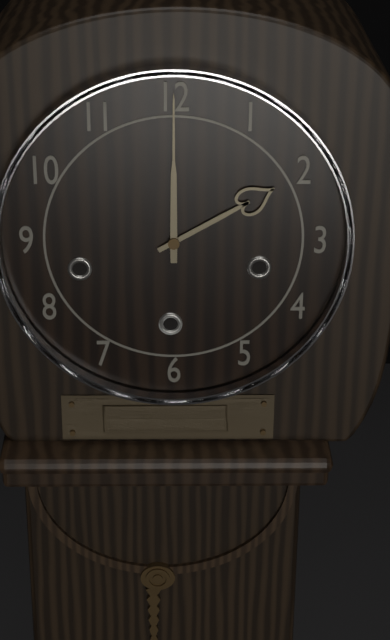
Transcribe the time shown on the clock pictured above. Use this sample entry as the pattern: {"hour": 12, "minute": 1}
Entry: {"hour": 2, "minute": 0}
